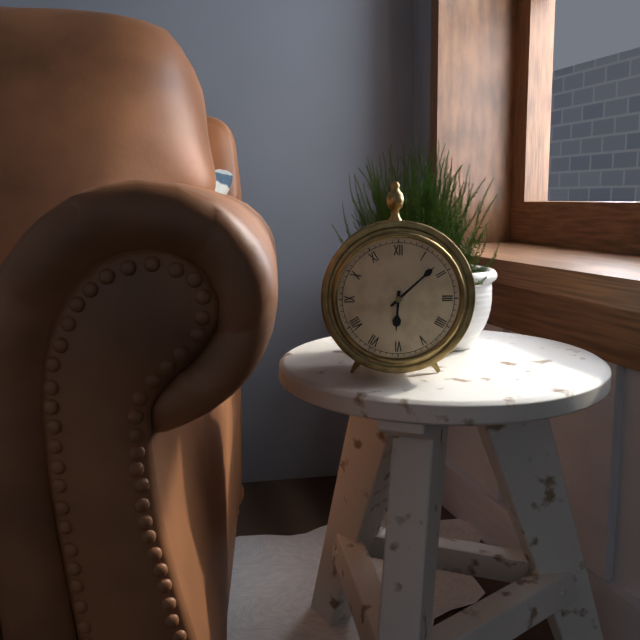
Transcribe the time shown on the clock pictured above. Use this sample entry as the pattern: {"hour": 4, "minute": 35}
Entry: {"hour": 6, "minute": 8}
